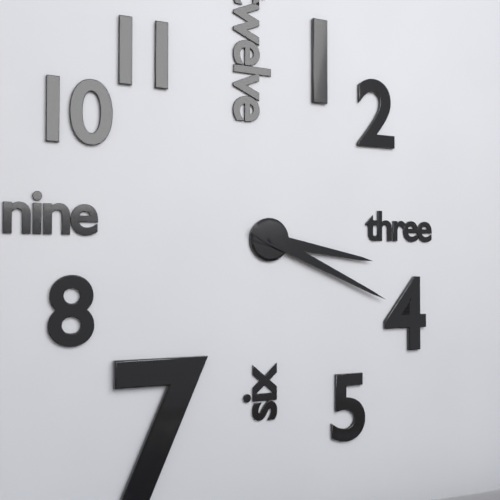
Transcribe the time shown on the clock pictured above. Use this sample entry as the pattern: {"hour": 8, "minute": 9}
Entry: {"hour": 3, "minute": 19}
